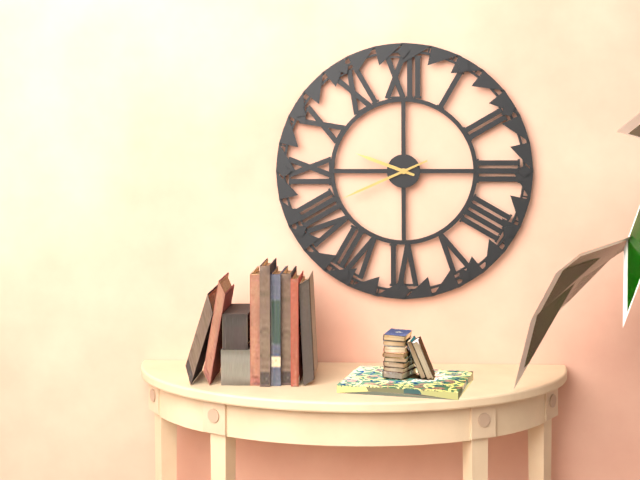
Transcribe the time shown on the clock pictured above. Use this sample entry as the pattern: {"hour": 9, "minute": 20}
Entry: {"hour": 9, "minute": 41}
